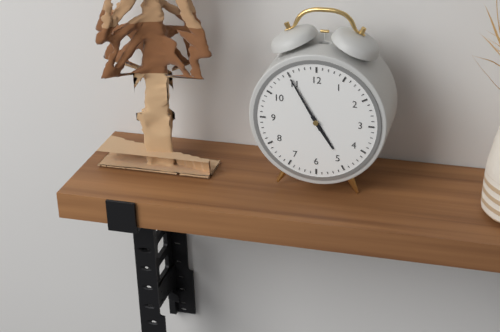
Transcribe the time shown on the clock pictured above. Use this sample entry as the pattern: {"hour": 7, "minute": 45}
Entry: {"hour": 4, "minute": 55}
